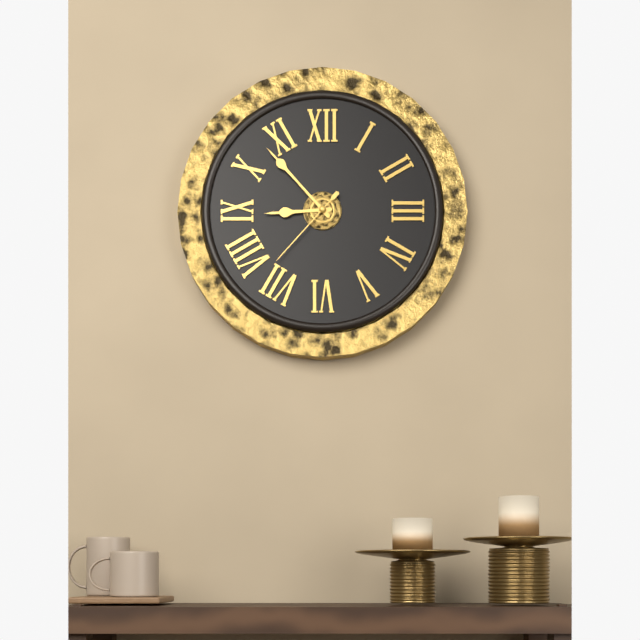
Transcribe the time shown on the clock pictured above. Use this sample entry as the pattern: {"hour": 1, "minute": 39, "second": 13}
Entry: {"hour": 8, "minute": 53, "second": 37}
